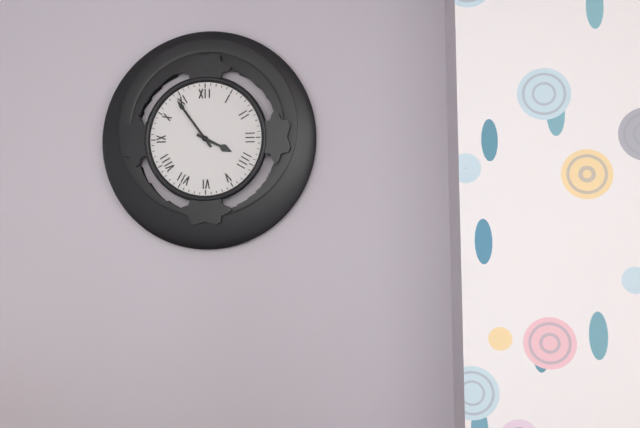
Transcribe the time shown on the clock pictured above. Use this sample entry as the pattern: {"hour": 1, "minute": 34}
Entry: {"hour": 3, "minute": 54}
